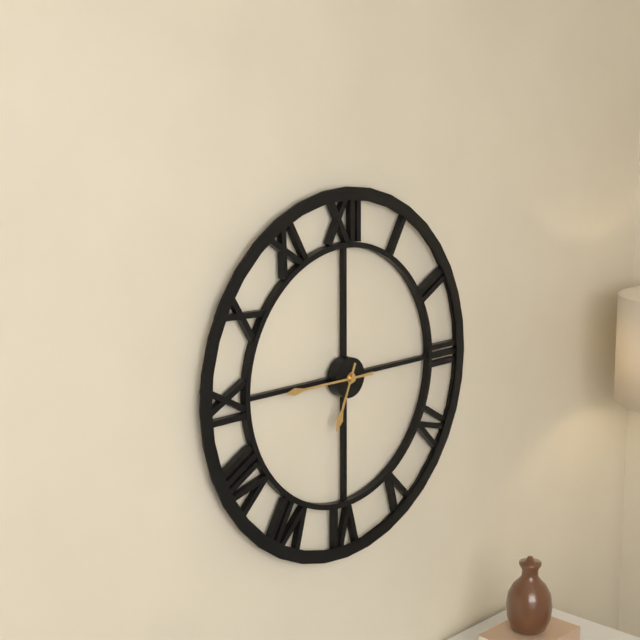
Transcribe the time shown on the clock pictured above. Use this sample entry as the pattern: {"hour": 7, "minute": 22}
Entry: {"hour": 6, "minute": 45}
